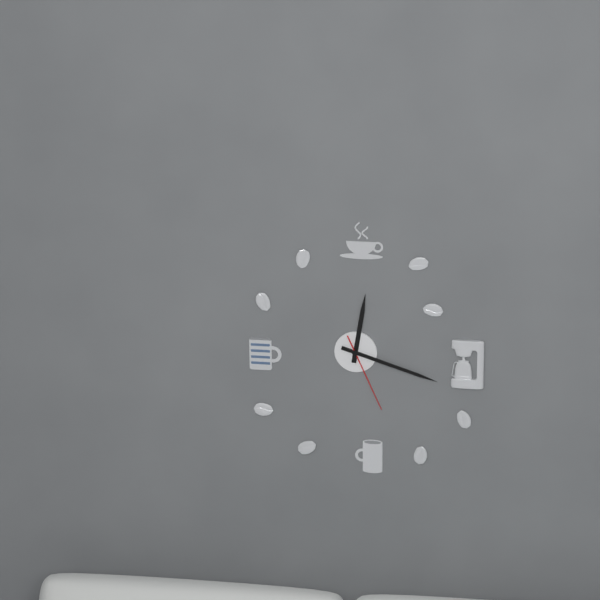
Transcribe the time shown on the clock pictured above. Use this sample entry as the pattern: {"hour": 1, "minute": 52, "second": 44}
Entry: {"hour": 12, "minute": 18, "second": 26}
